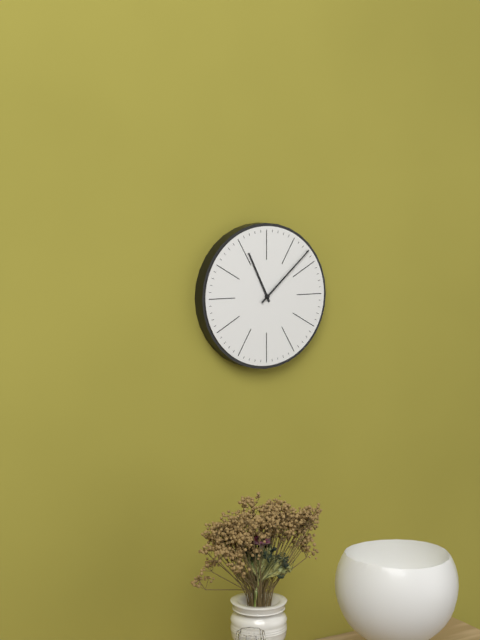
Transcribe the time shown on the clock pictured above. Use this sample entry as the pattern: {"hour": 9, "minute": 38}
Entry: {"hour": 11, "minute": 8}
